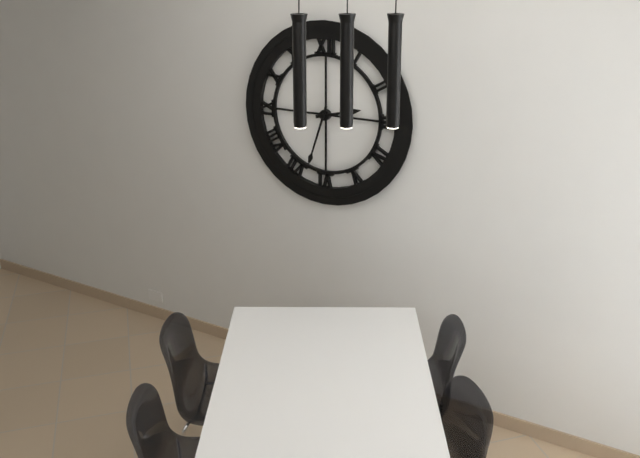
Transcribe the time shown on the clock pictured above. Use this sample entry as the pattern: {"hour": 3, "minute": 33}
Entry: {"hour": 2, "minute": 33}
